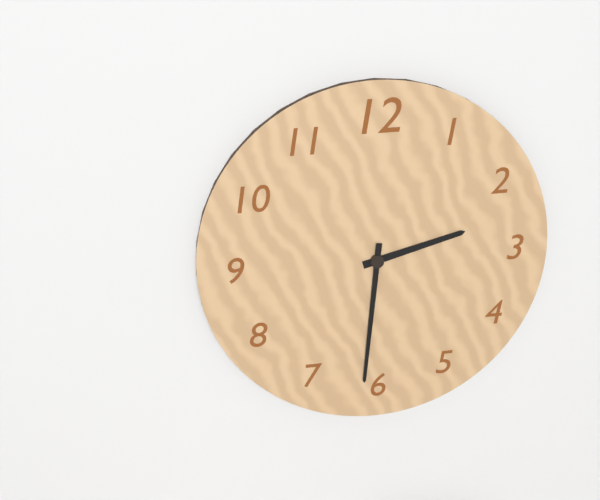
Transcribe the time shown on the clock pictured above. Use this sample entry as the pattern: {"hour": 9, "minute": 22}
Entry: {"hour": 2, "minute": 31}
